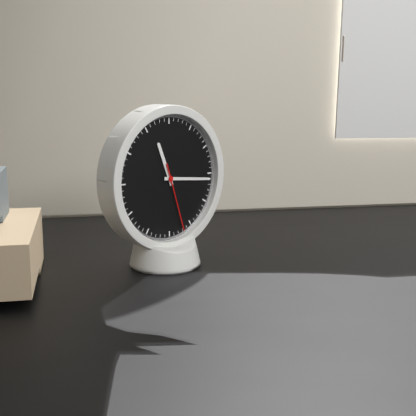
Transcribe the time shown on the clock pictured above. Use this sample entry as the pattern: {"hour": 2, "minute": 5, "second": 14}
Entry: {"hour": 11, "minute": 16, "second": 27}
